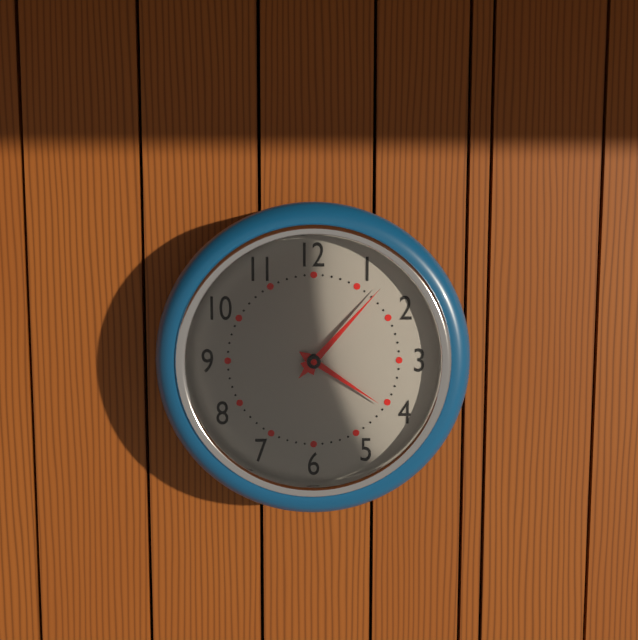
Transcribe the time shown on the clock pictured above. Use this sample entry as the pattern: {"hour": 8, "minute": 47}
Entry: {"hour": 4, "minute": 7}
